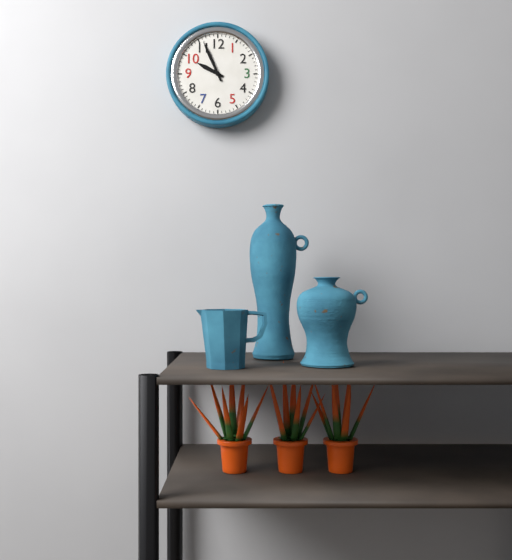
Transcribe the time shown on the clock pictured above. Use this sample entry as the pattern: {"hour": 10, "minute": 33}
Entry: {"hour": 9, "minute": 56}
